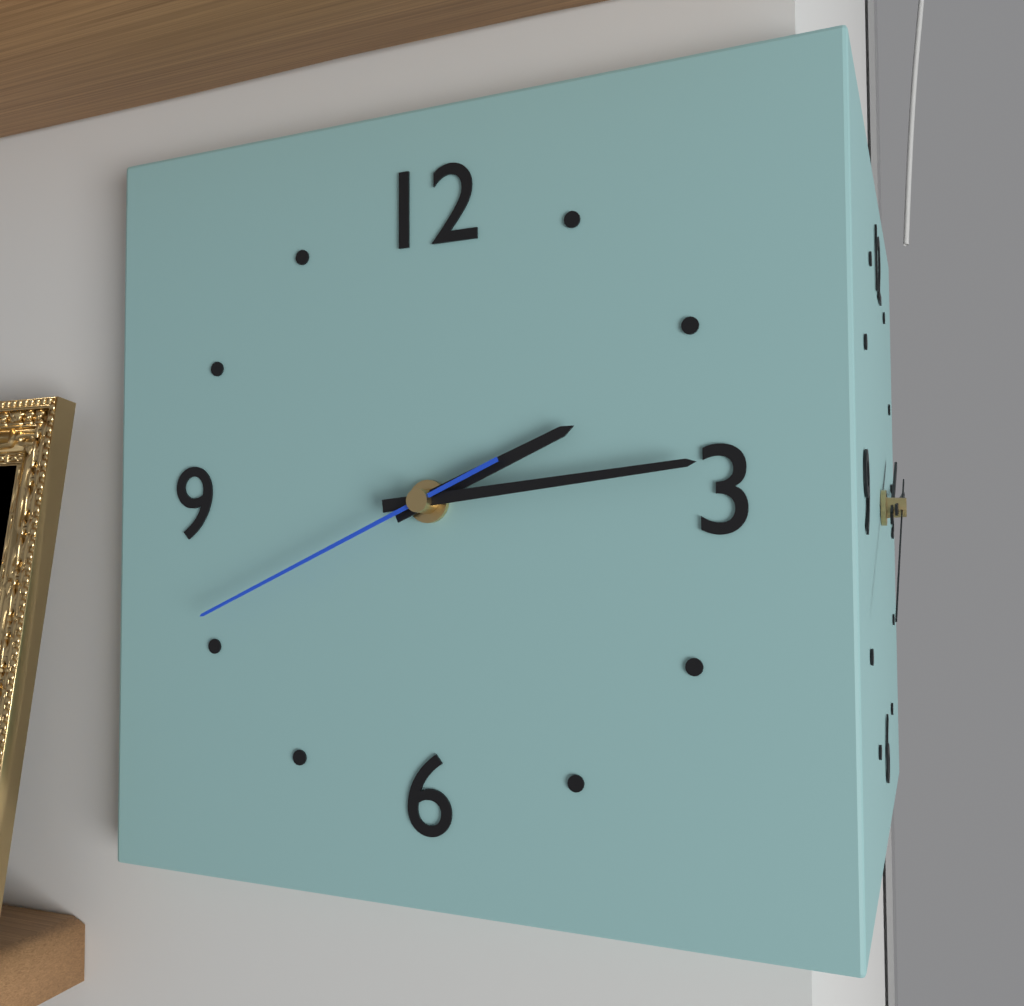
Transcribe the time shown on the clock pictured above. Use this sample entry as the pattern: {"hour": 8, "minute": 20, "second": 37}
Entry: {"hour": 2, "minute": 14, "second": 41}
